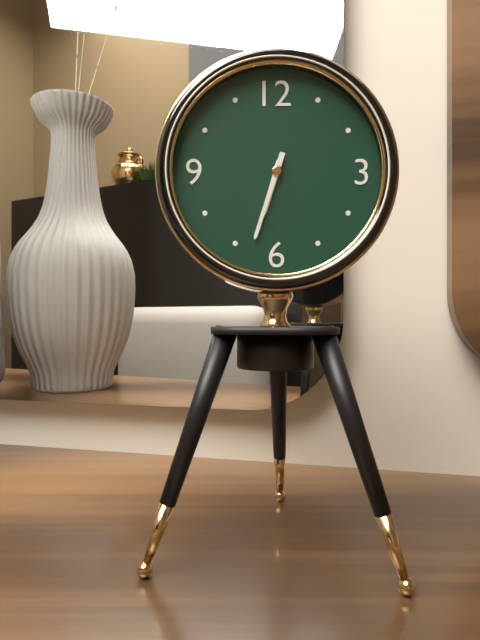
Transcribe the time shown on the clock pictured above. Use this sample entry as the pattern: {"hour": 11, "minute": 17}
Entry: {"hour": 6, "minute": 33}
